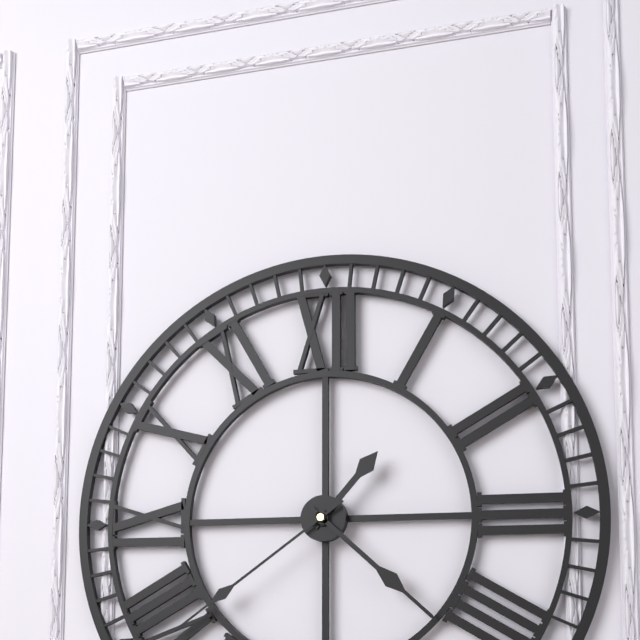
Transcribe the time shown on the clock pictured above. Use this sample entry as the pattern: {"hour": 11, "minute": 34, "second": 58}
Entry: {"hour": 1, "minute": 22, "second": 39}
